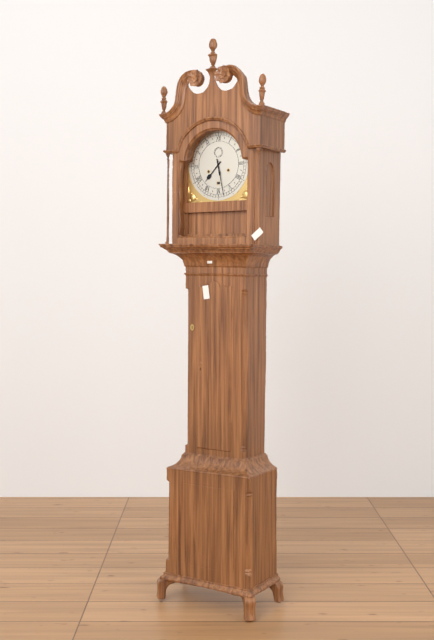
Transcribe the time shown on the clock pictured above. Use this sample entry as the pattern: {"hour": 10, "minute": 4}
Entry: {"hour": 7, "minute": 28}
